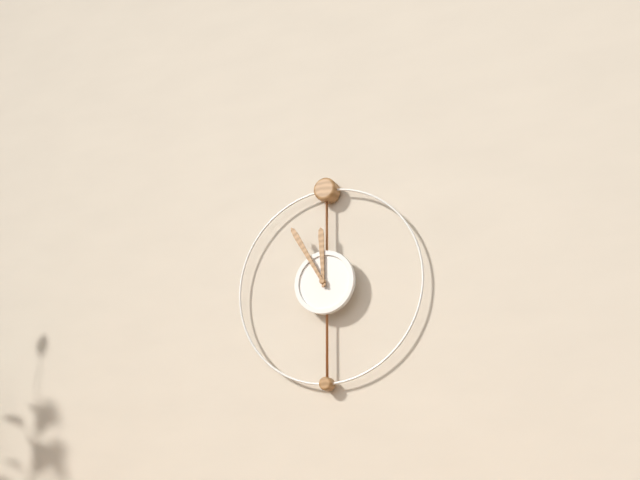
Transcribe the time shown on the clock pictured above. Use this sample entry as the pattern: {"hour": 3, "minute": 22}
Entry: {"hour": 11, "minute": 55}
